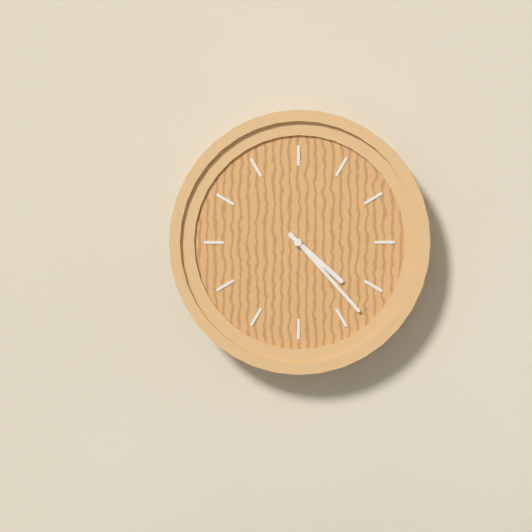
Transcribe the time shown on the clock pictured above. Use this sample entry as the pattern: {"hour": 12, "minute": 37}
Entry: {"hour": 4, "minute": 23}
